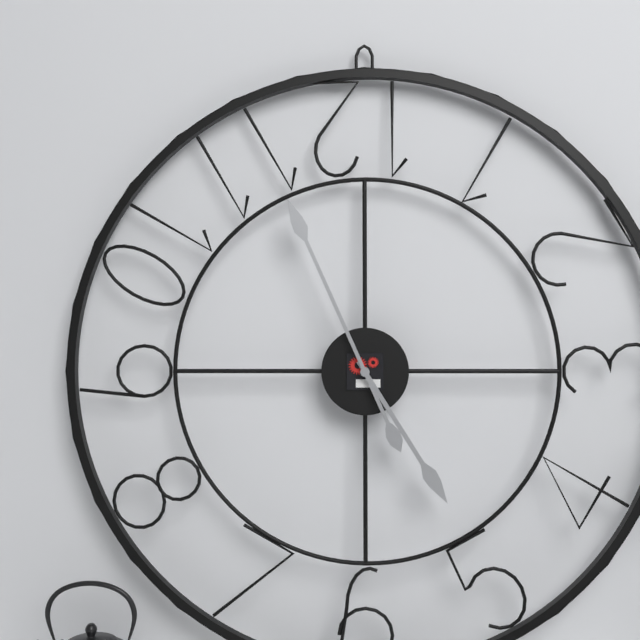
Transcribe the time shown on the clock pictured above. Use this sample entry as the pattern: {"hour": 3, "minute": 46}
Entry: {"hour": 4, "minute": 56}
